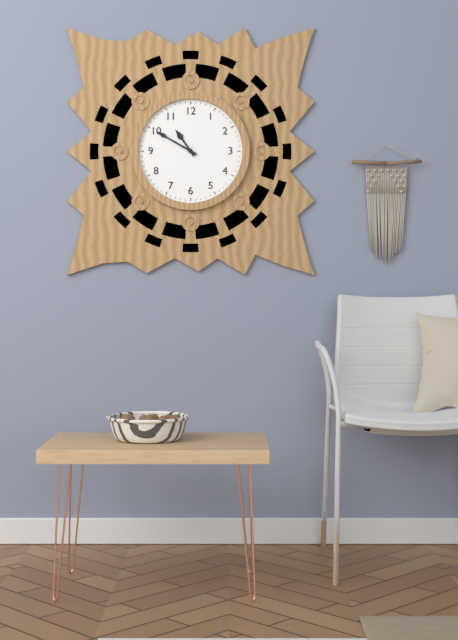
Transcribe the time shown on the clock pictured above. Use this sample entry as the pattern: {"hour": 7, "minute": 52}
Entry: {"hour": 10, "minute": 50}
